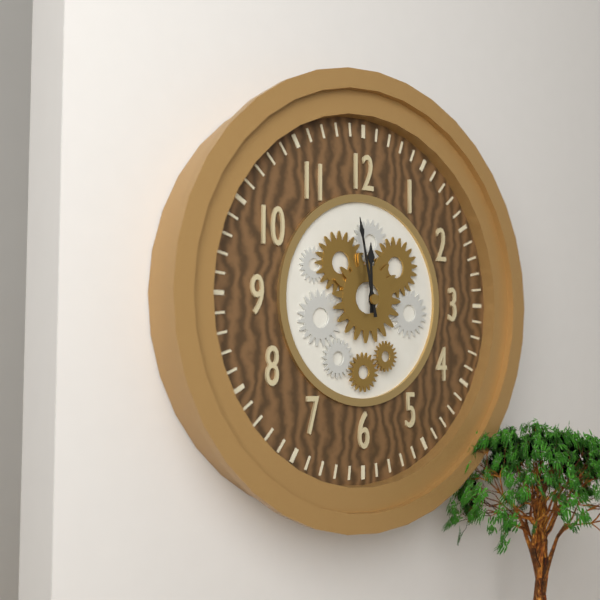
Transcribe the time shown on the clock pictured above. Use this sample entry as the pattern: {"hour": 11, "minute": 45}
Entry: {"hour": 11, "minute": 58}
